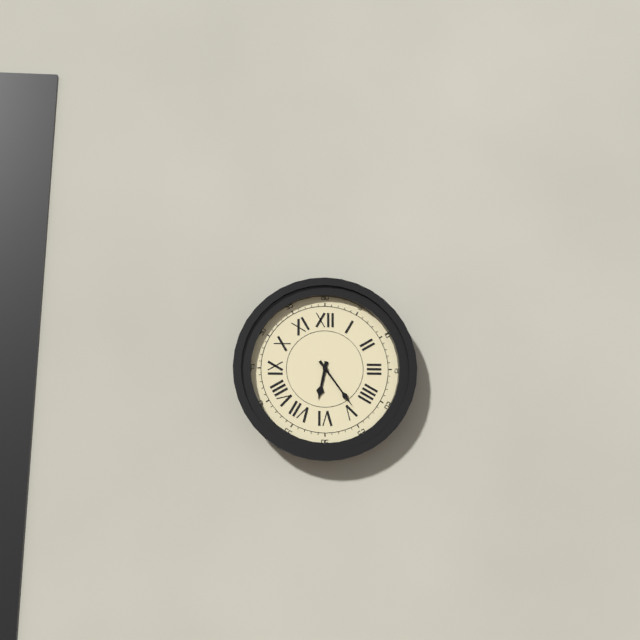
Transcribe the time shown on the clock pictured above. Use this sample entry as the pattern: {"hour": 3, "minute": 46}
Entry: {"hour": 6, "minute": 24}
